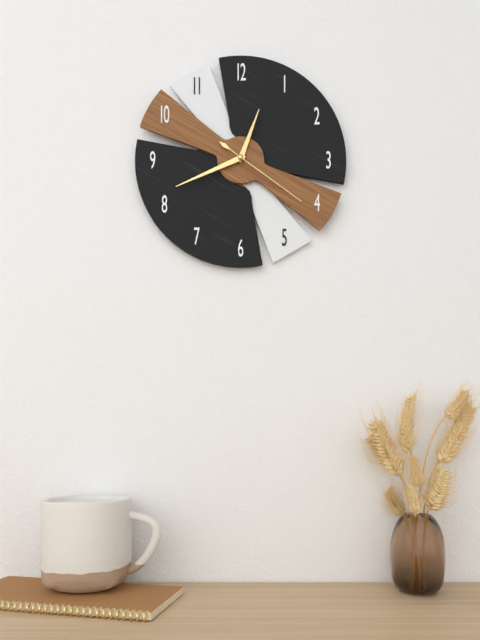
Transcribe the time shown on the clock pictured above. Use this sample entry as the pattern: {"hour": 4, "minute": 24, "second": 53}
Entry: {"hour": 12, "minute": 41, "second": 21}
